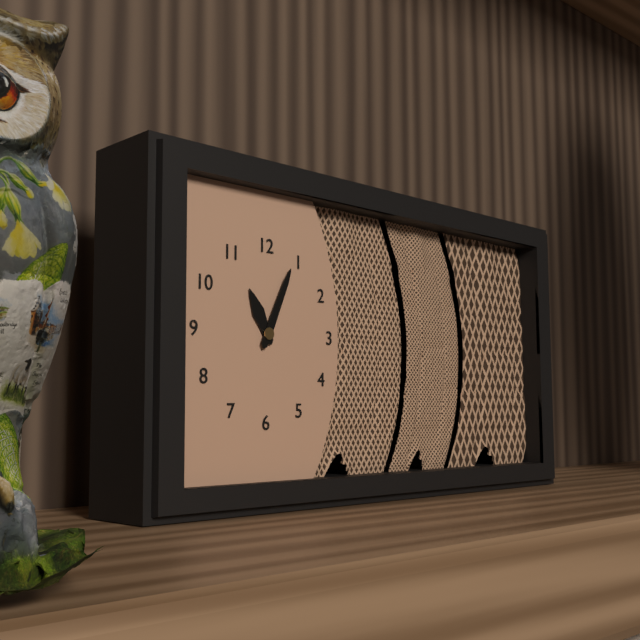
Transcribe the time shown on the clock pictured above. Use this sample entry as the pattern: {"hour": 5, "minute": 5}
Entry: {"hour": 11, "minute": 4}
